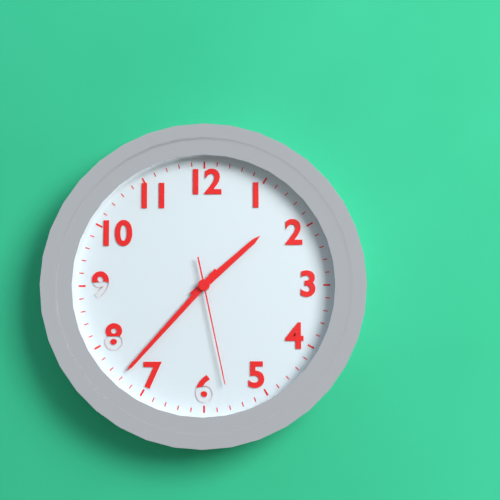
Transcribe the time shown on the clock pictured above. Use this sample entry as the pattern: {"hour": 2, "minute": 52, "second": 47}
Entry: {"hour": 1, "minute": 37, "second": 28}
